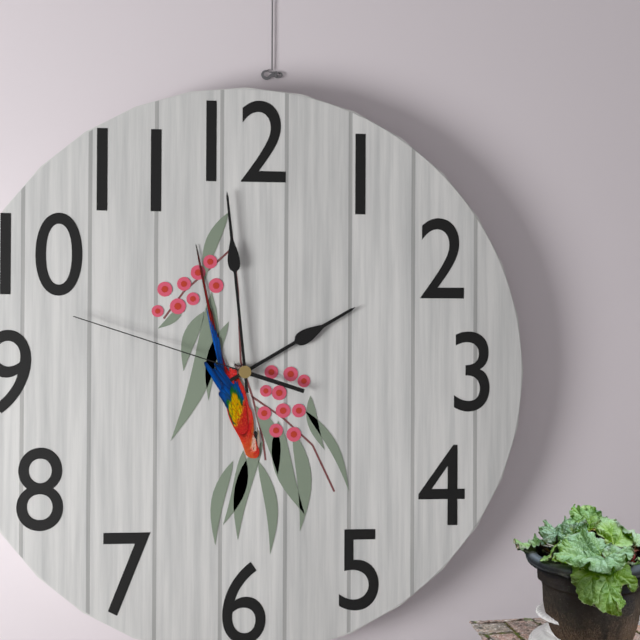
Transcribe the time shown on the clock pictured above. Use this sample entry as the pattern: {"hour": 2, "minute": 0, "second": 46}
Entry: {"hour": 1, "minute": 59, "second": 48}
